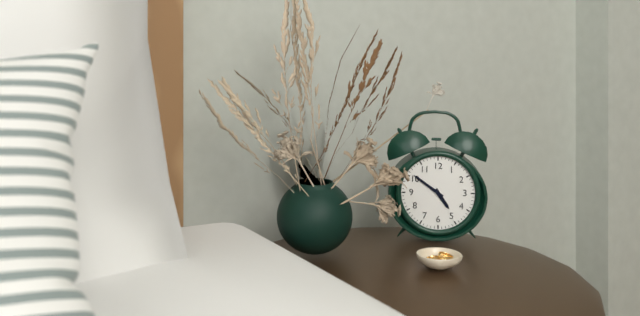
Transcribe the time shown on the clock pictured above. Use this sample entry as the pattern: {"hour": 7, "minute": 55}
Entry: {"hour": 4, "minute": 51}
